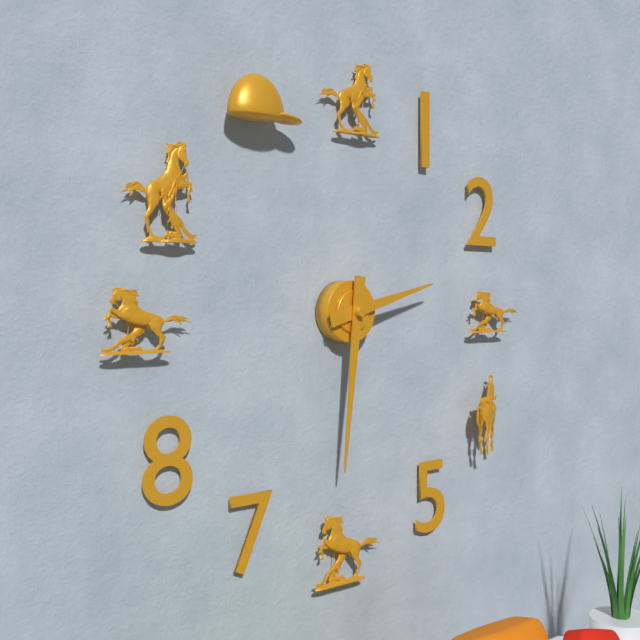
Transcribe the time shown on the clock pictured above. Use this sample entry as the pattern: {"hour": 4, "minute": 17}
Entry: {"hour": 2, "minute": 31}
